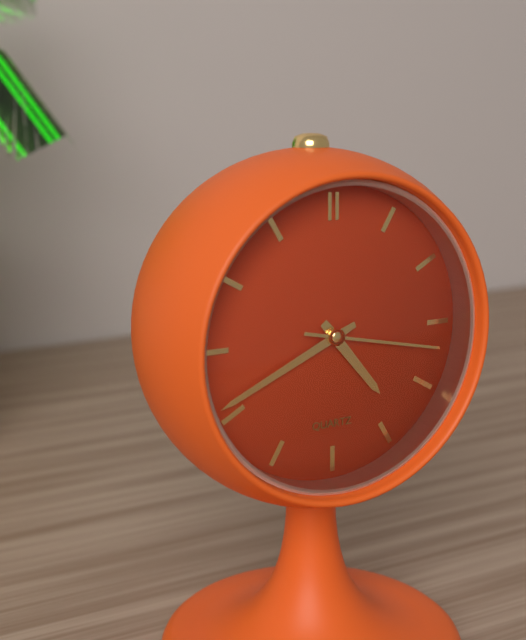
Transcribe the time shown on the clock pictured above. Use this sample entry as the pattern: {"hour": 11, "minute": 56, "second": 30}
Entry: {"hour": 4, "minute": 41, "second": 17}
